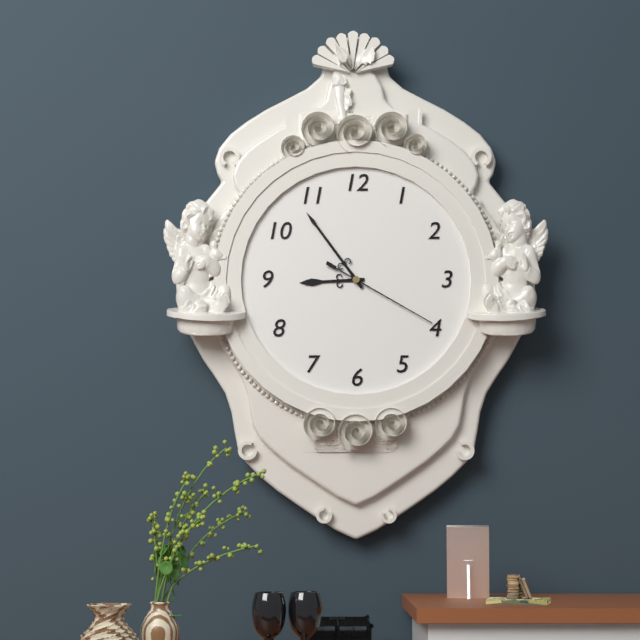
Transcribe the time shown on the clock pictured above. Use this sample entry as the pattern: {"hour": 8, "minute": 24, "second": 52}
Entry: {"hour": 8, "minute": 54, "second": 20}
